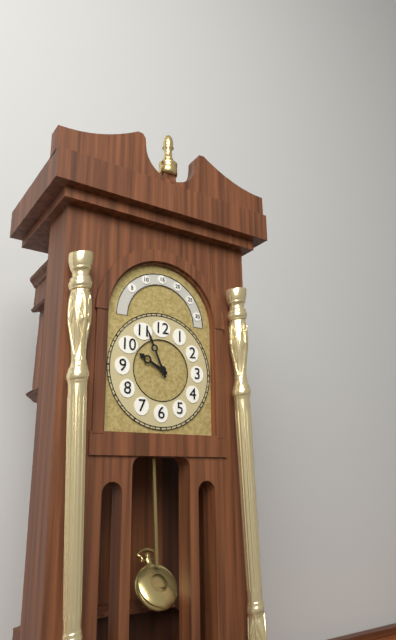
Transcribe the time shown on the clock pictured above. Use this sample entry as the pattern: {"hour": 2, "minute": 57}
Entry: {"hour": 9, "minute": 56}
